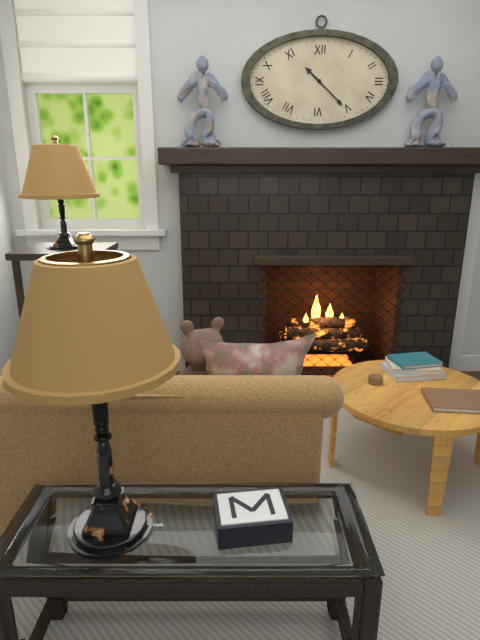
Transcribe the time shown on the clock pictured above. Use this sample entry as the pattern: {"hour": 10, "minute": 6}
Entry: {"hour": 10, "minute": 22}
